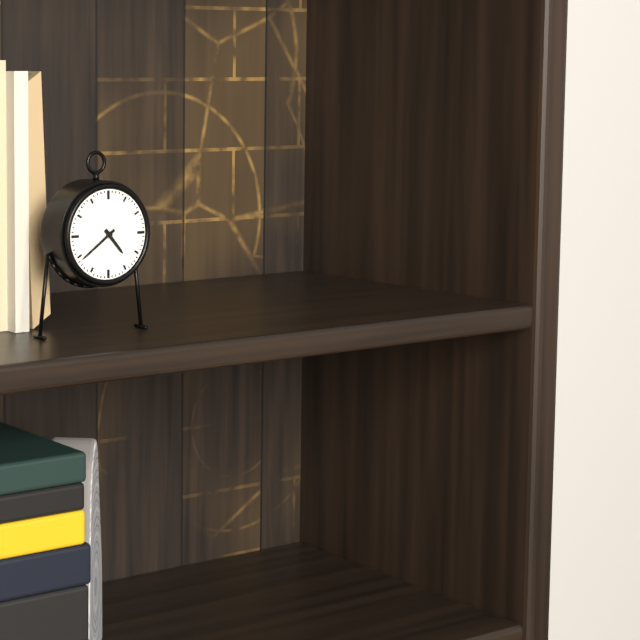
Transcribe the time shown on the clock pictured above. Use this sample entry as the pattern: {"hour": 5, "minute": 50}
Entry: {"hour": 4, "minute": 39}
